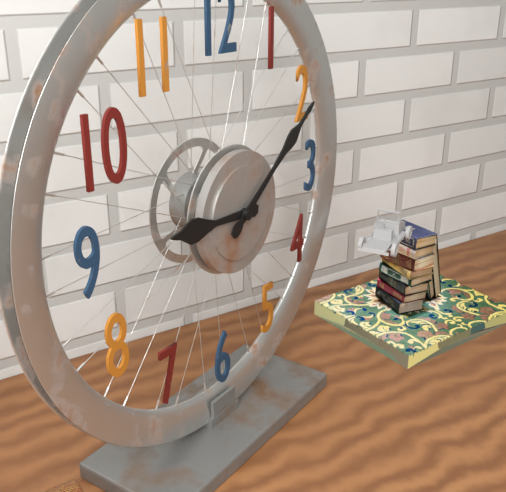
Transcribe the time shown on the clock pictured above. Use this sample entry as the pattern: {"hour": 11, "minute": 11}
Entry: {"hour": 9, "minute": 9}
